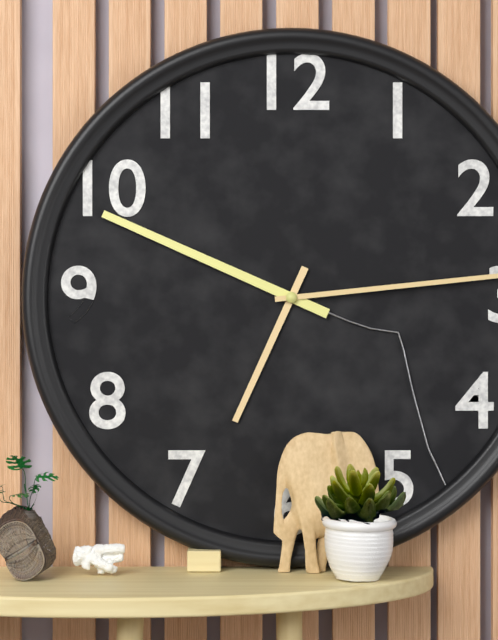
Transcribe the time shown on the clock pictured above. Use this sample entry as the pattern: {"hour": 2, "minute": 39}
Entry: {"hour": 6, "minute": 49}
